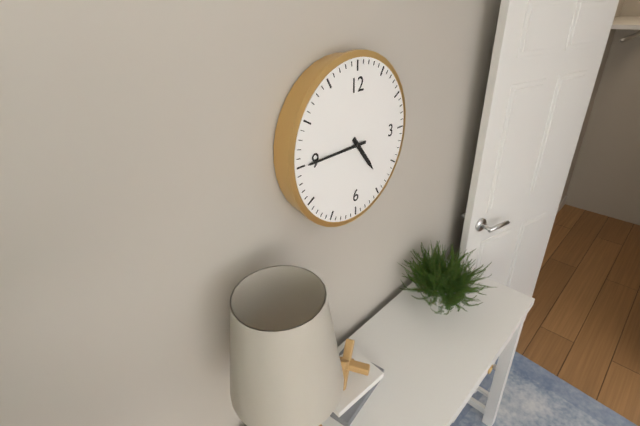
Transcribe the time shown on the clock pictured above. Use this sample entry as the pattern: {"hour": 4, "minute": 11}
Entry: {"hour": 4, "minute": 45}
